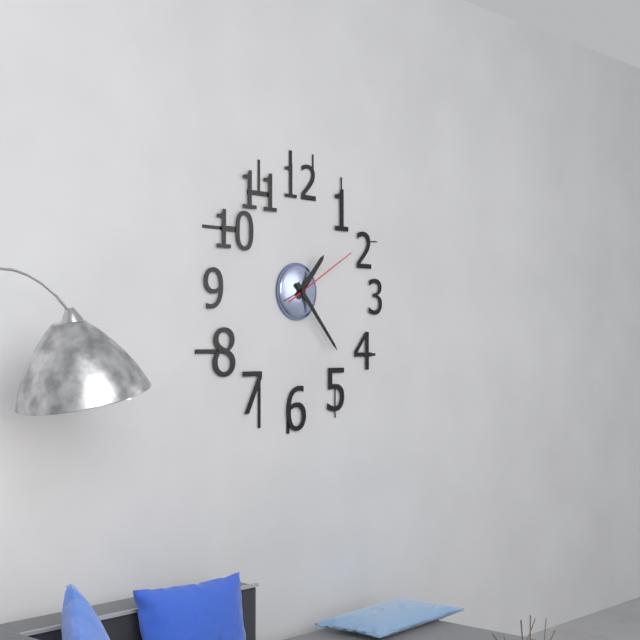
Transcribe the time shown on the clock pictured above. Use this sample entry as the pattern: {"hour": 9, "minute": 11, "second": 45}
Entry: {"hour": 1, "minute": 23, "second": 10}
